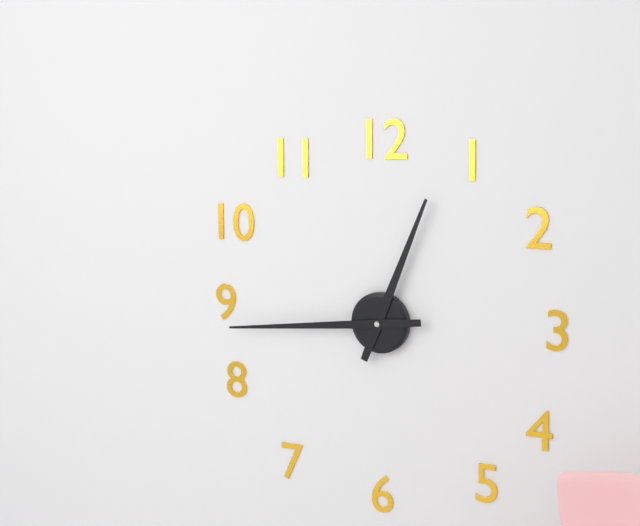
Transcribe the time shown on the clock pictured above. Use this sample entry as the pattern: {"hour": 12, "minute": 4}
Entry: {"hour": 12, "minute": 44}
